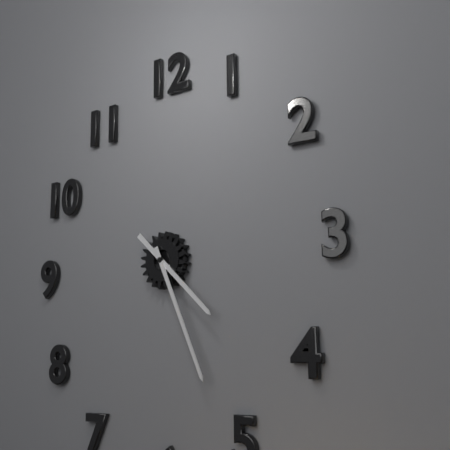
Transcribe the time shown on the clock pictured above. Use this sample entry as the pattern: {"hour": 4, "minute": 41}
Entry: {"hour": 4, "minute": 26}
